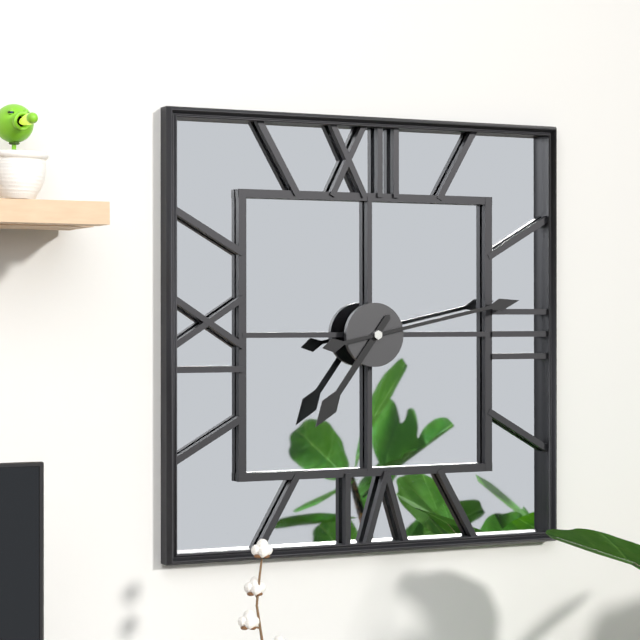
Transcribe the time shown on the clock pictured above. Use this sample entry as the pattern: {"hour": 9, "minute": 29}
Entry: {"hour": 7, "minute": 13}
